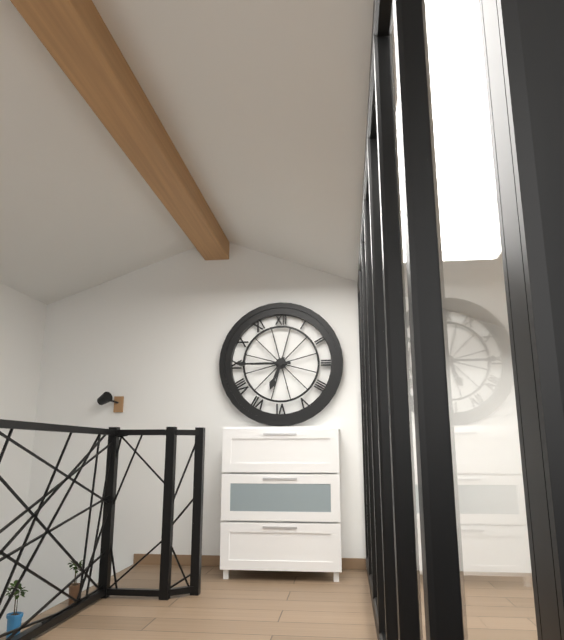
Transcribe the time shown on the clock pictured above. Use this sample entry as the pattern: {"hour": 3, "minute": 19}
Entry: {"hour": 6, "minute": 45}
